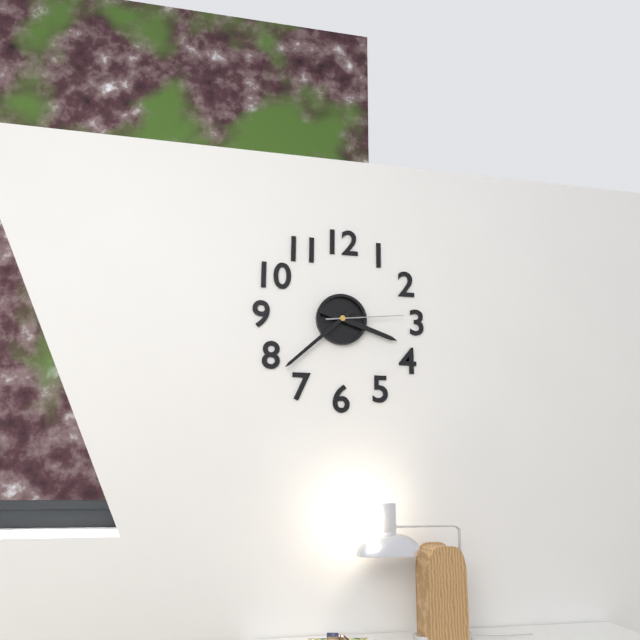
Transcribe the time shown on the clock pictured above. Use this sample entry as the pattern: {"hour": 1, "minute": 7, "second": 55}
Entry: {"hour": 3, "minute": 38, "second": 14}
